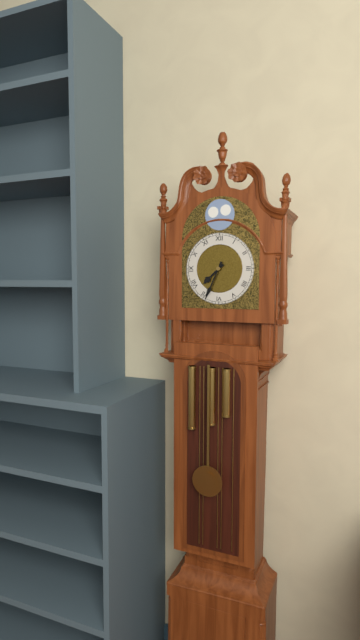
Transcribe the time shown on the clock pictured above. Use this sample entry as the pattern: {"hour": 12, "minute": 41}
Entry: {"hour": 7, "minute": 34}
